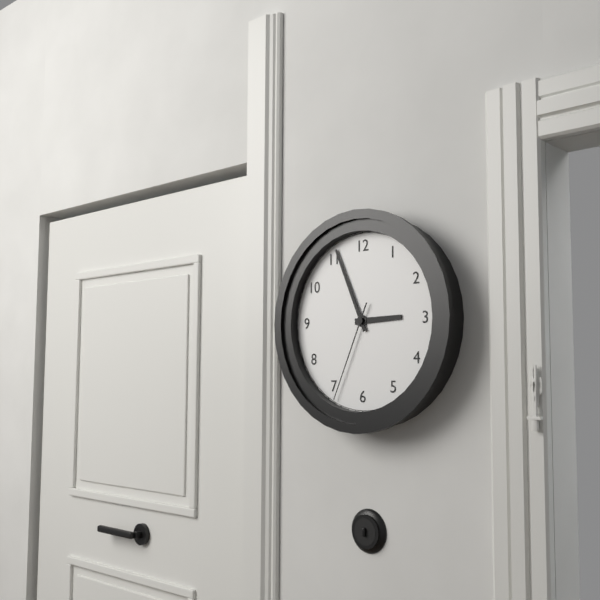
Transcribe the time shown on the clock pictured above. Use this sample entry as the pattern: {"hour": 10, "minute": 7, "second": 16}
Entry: {"hour": 2, "minute": 56, "second": 34}
